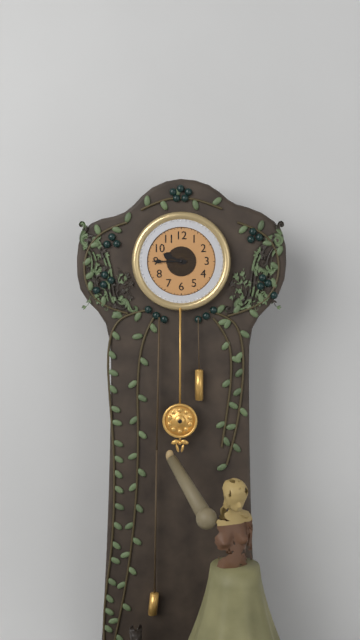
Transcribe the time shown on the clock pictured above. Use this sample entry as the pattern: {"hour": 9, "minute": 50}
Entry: {"hour": 9, "minute": 45}
